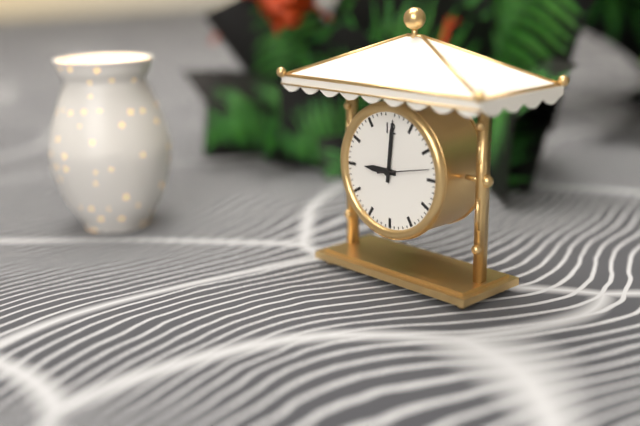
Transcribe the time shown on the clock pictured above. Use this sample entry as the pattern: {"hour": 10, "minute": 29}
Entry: {"hour": 9, "minute": 1}
